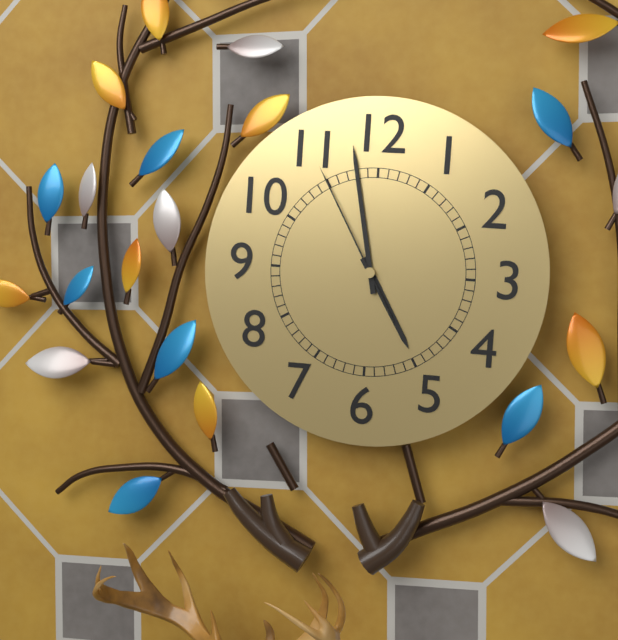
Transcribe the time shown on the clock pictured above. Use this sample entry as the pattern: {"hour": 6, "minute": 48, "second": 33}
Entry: {"hour": 4, "minute": 58, "second": 55}
